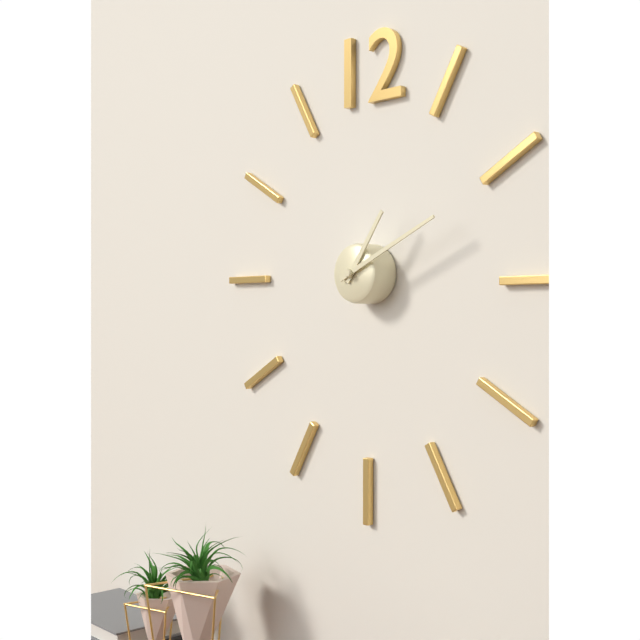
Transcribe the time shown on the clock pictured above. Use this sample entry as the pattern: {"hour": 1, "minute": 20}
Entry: {"hour": 1, "minute": 11}
